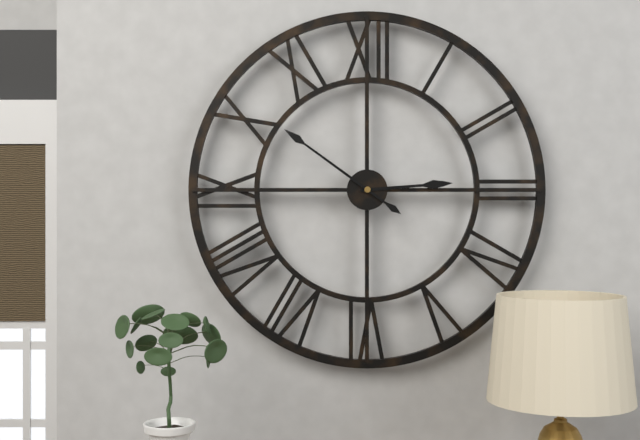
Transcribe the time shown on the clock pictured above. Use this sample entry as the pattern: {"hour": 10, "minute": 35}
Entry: {"hour": 2, "minute": 51}
